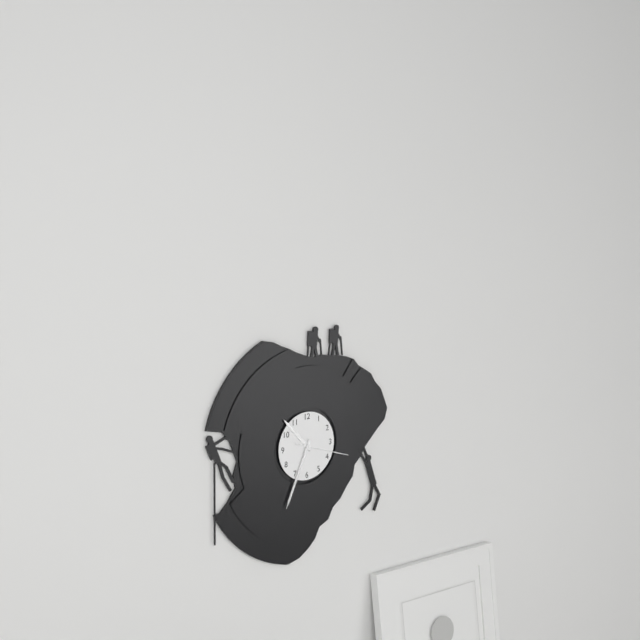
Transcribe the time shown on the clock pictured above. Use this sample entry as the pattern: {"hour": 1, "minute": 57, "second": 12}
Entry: {"hour": 10, "minute": 34, "second": 18}
